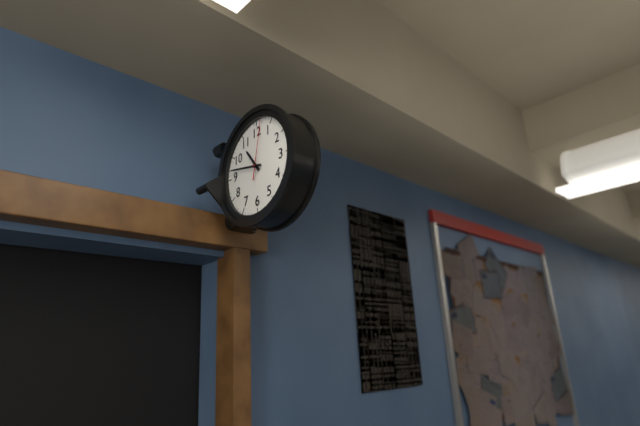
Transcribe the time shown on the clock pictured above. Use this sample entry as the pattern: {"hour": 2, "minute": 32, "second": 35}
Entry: {"hour": 10, "minute": 47, "second": 2}
